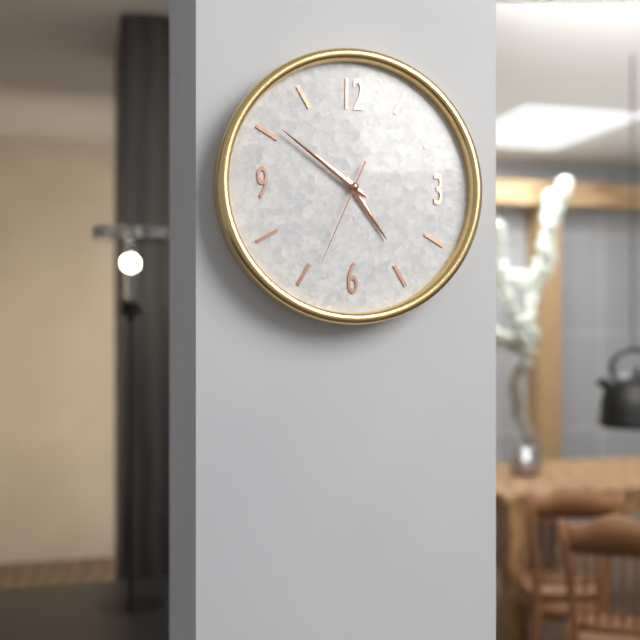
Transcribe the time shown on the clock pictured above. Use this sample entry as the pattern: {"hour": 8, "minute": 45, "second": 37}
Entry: {"hour": 4, "minute": 51, "second": 34}
